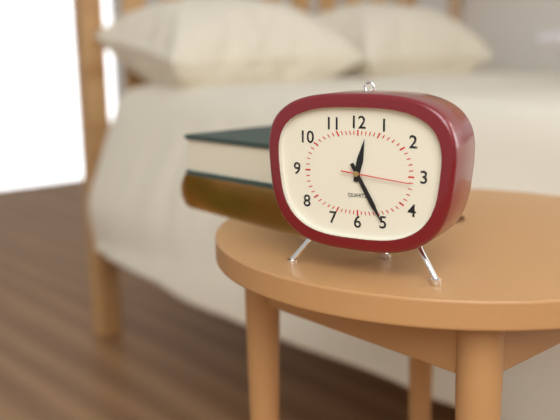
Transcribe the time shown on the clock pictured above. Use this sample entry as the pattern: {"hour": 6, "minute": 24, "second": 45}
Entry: {"hour": 12, "minute": 25, "second": 16}
